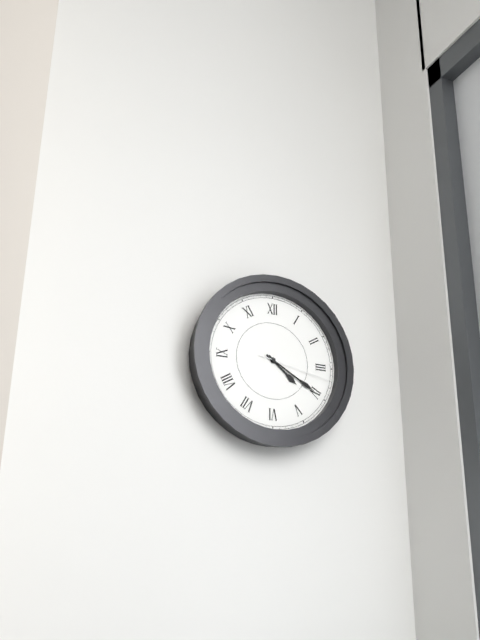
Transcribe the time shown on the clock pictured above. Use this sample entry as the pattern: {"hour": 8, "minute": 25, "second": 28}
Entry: {"hour": 4, "minute": 20, "second": 17}
